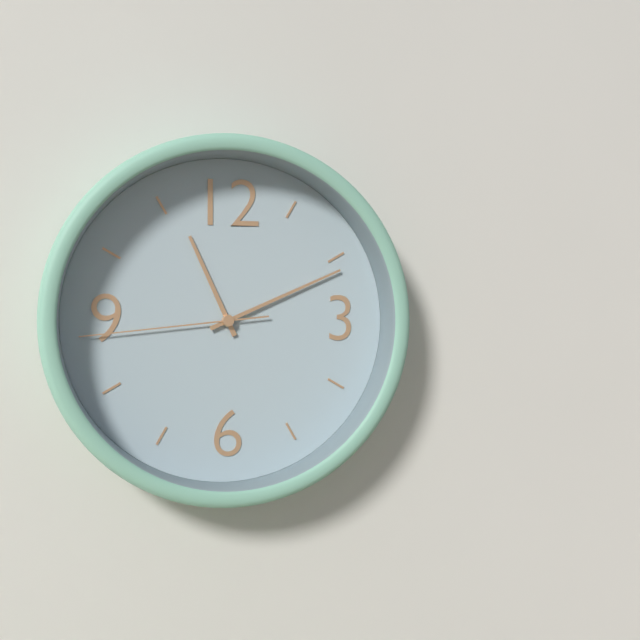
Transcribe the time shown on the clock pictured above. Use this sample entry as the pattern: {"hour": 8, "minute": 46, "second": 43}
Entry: {"hour": 11, "minute": 11, "second": 44}
